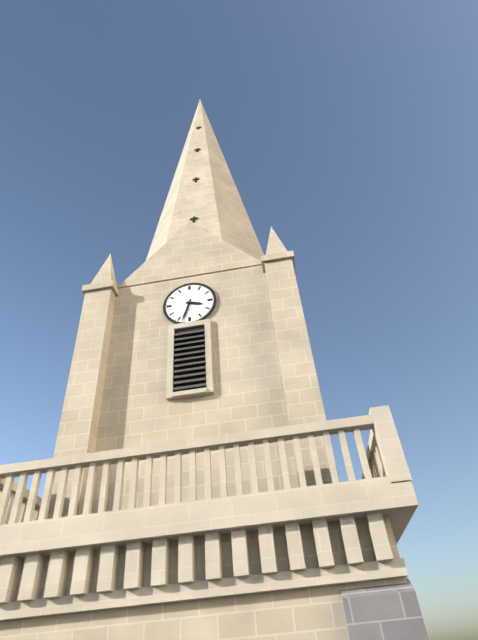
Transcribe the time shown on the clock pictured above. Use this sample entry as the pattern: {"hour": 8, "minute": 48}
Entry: {"hour": 3, "minute": 33}
